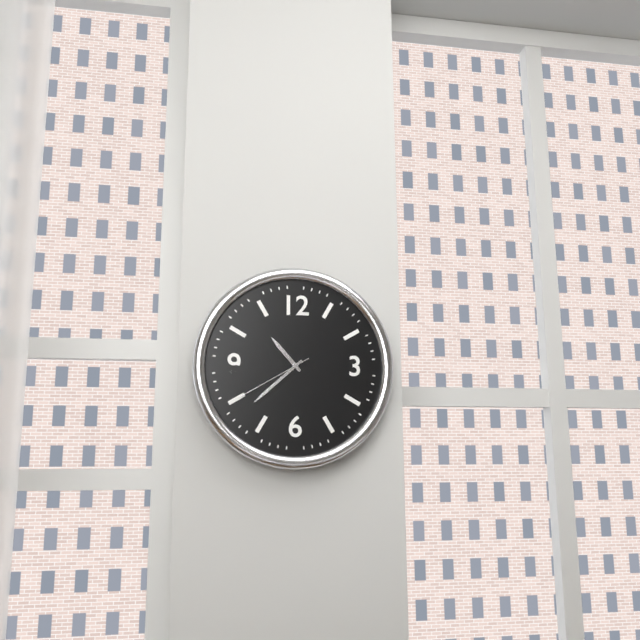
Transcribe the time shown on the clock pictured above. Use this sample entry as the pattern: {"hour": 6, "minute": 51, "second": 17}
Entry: {"hour": 10, "minute": 38, "second": 40}
